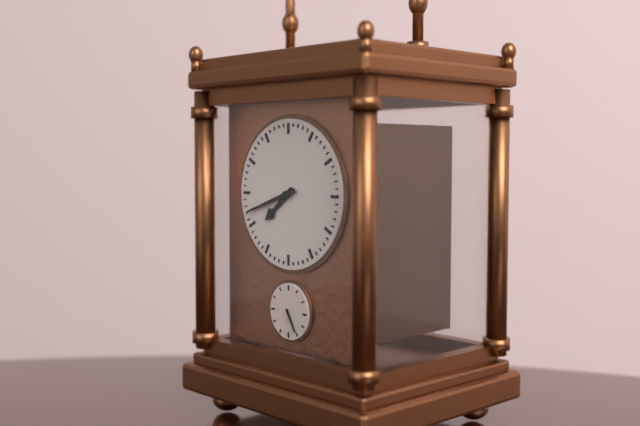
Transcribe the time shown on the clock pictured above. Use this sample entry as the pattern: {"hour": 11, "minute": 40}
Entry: {"hour": 7, "minute": 42}
